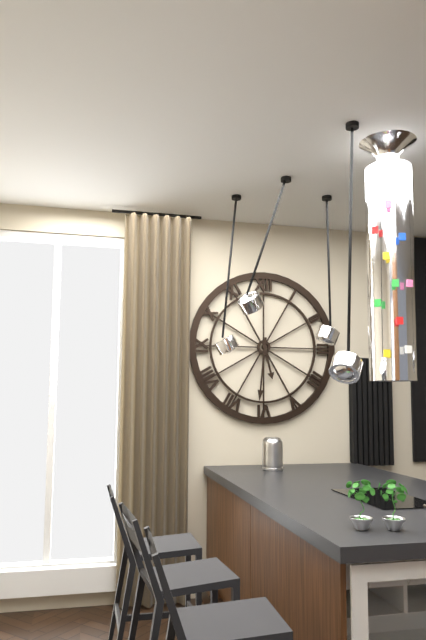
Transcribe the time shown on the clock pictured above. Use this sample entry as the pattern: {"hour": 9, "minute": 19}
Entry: {"hour": 5, "minute": 31}
